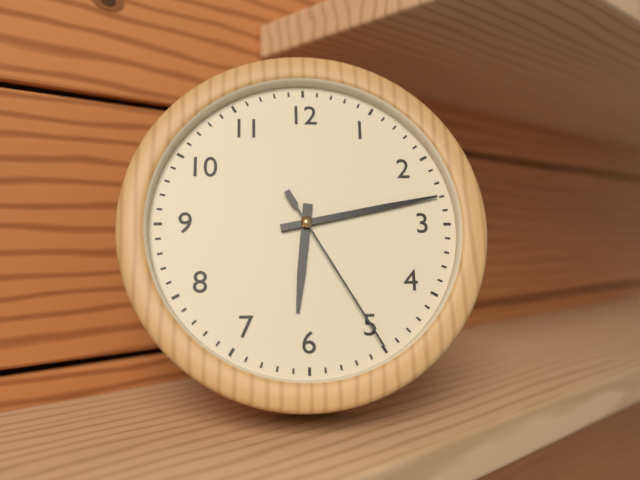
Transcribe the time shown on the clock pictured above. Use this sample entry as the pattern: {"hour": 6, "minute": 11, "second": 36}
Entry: {"hour": 6, "minute": 13, "second": 25}
